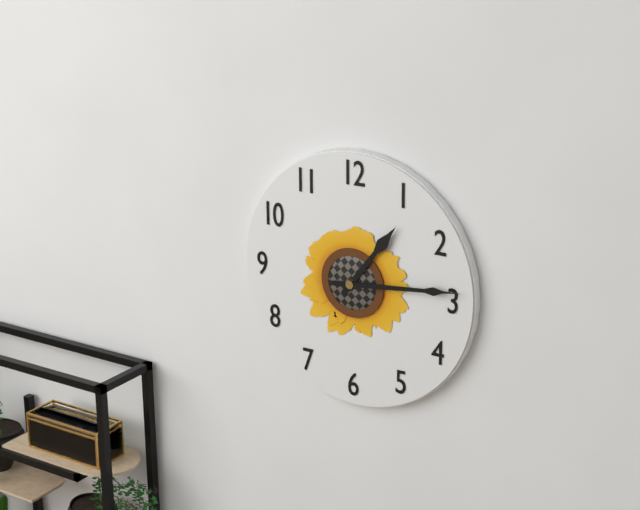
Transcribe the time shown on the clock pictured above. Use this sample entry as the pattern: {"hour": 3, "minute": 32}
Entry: {"hour": 1, "minute": 14}
